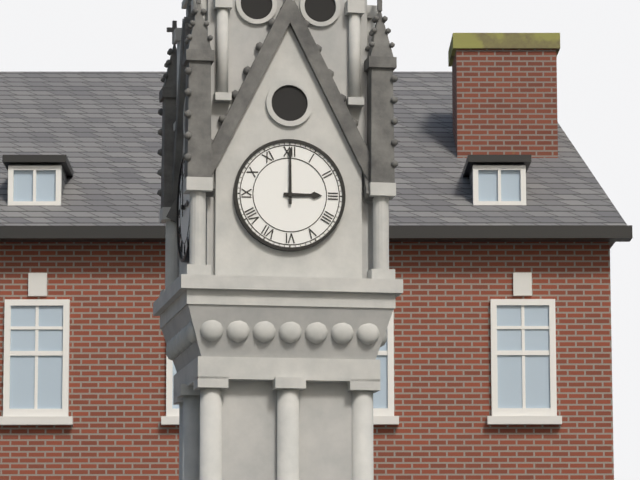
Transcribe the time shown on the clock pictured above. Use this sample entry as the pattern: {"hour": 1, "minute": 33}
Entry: {"hour": 3, "minute": 0}
